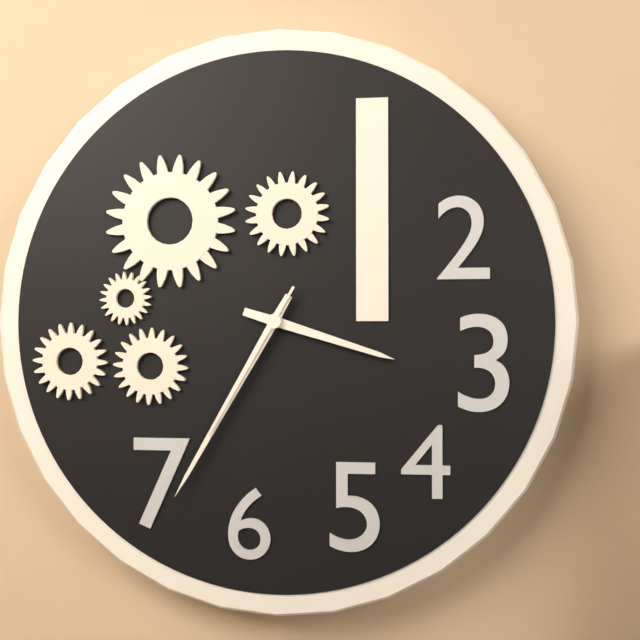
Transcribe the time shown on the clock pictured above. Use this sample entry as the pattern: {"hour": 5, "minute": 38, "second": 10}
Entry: {"hour": 3, "minute": 35, "second": 35}
